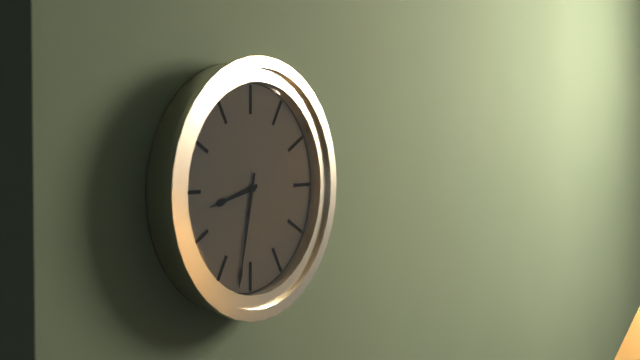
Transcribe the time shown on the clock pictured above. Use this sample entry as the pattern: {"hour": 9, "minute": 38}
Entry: {"hour": 8, "minute": 32}
